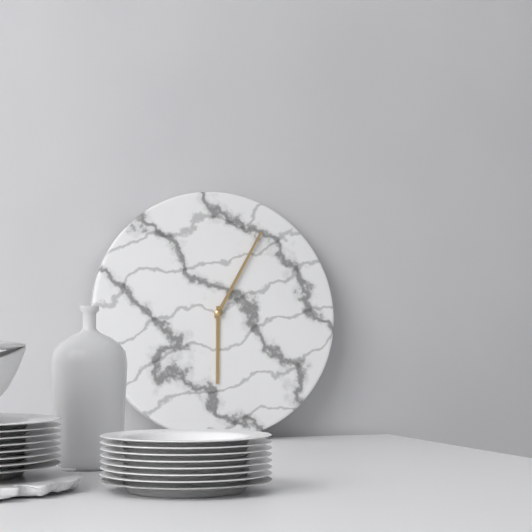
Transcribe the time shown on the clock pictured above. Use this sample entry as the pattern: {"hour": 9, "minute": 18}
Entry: {"hour": 6, "minute": 5}
